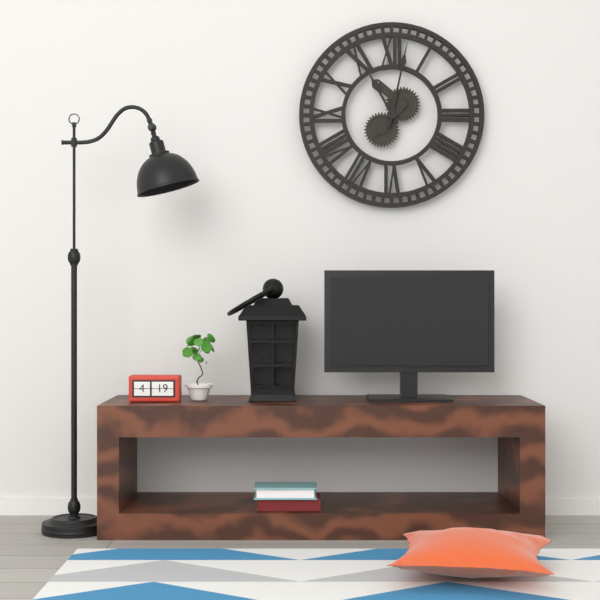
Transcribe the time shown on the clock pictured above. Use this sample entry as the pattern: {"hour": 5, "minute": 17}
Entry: {"hour": 11, "minute": 2}
